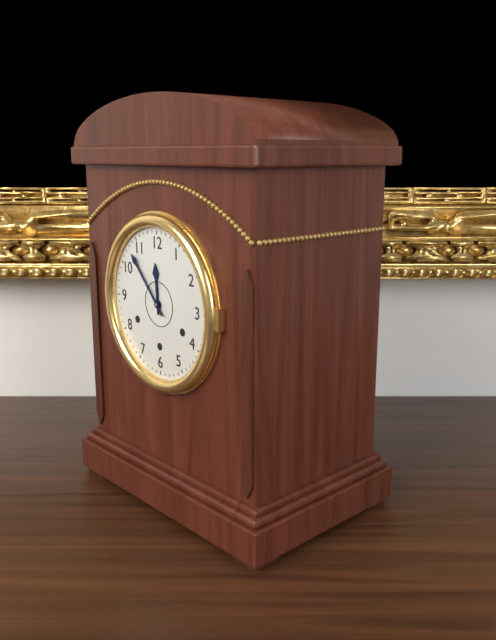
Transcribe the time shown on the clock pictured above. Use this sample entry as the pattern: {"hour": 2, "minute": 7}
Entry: {"hour": 11, "minute": 53}
